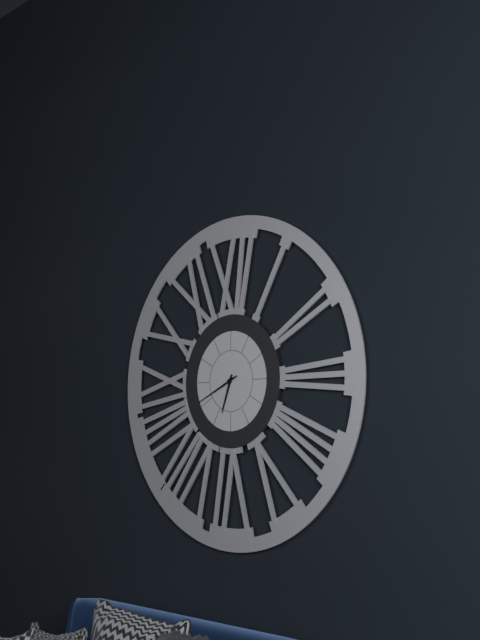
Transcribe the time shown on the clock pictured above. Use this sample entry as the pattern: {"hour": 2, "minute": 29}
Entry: {"hour": 6, "minute": 41}
